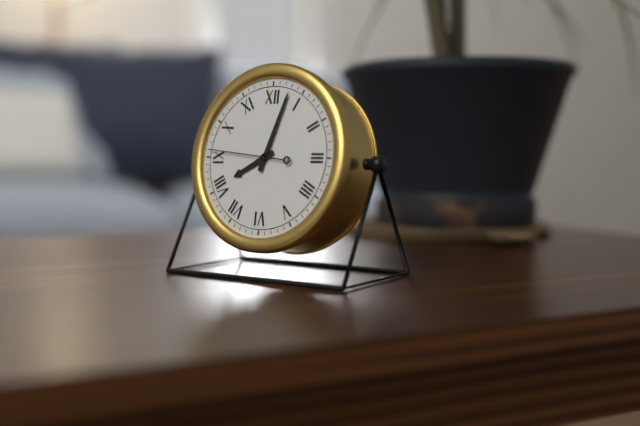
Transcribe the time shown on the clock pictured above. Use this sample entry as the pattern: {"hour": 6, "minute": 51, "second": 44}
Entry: {"hour": 8, "minute": 3, "second": 46}
